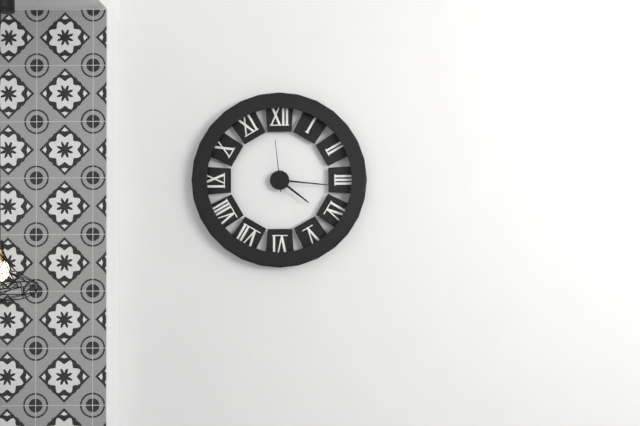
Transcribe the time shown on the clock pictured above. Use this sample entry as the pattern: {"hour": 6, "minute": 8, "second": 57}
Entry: {"hour": 4, "minute": 16, "second": 59}
